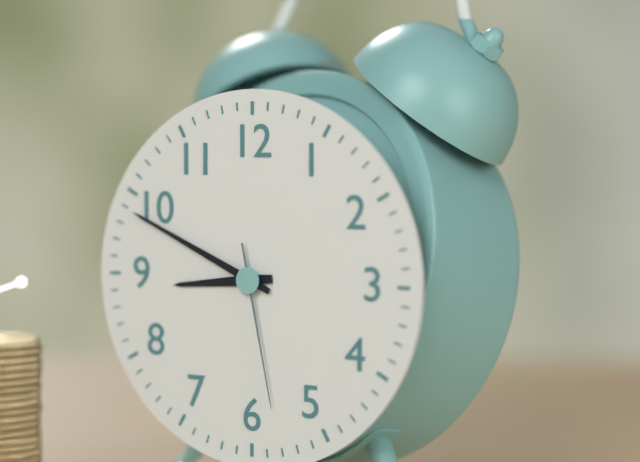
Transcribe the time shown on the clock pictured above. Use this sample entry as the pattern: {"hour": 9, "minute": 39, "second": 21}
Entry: {"hour": 8, "minute": 49, "second": 28}
